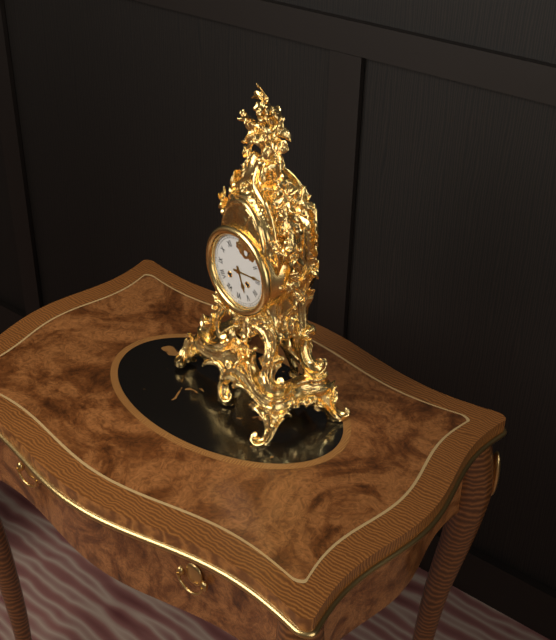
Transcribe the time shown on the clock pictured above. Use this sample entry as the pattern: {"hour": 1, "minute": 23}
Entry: {"hour": 5, "minute": 14}
